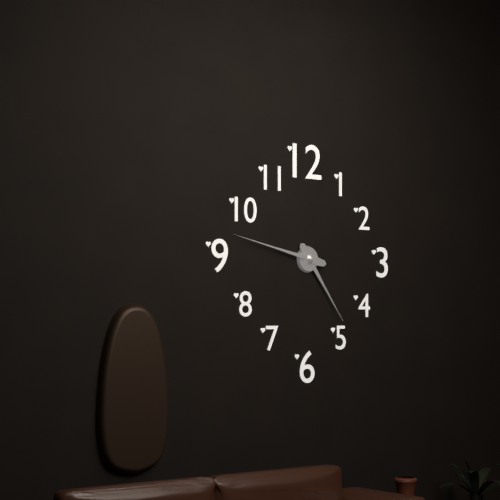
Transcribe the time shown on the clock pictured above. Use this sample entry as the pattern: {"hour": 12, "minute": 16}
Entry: {"hour": 4, "minute": 47}
